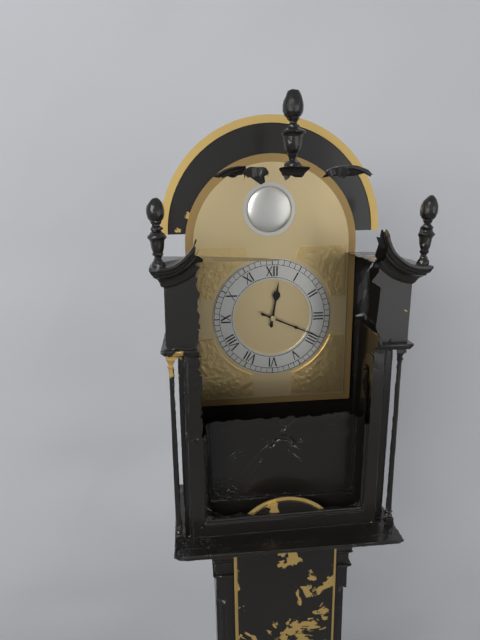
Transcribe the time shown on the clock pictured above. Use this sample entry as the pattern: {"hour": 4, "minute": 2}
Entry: {"hour": 12, "minute": 19}
